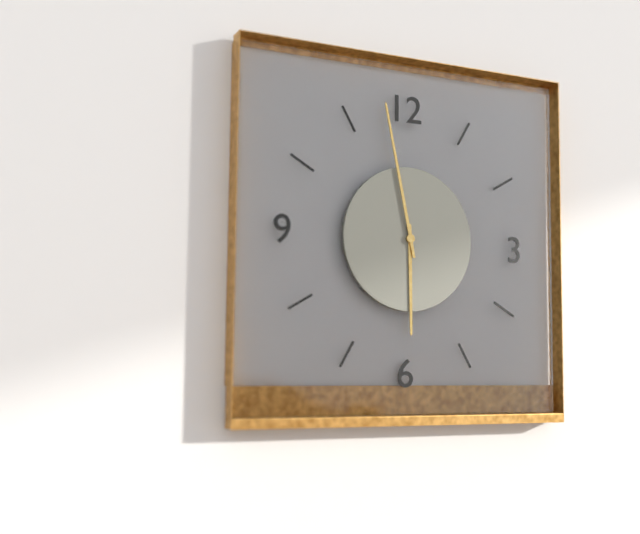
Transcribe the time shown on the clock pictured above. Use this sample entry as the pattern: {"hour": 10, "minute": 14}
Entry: {"hour": 5, "minute": 58}
